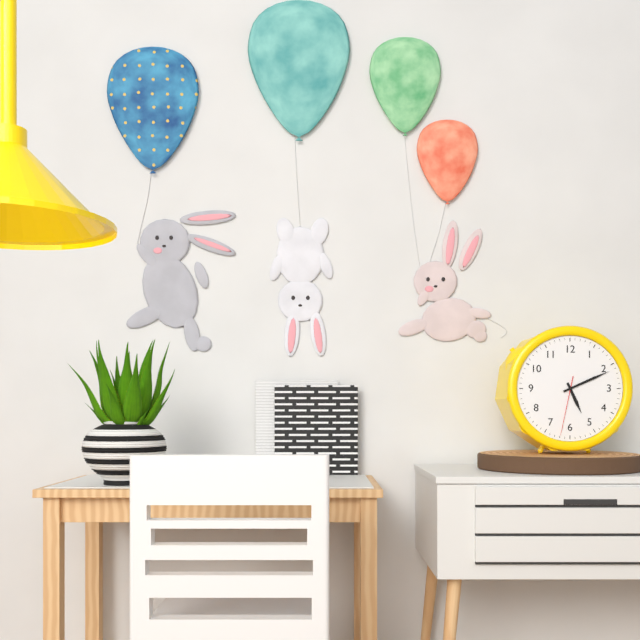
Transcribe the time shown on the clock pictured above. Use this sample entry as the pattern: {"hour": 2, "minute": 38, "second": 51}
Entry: {"hour": 5, "minute": 11, "second": 32}
